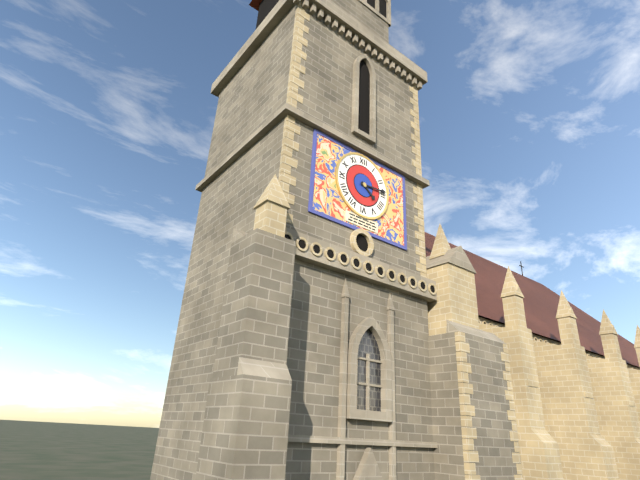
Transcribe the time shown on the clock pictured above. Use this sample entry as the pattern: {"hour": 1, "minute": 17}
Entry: {"hour": 4, "minute": 14}
